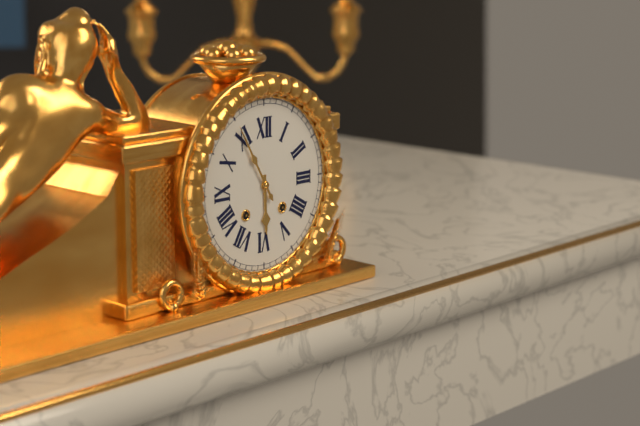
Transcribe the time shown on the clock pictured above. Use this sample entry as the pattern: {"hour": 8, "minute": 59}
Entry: {"hour": 5, "minute": 55}
